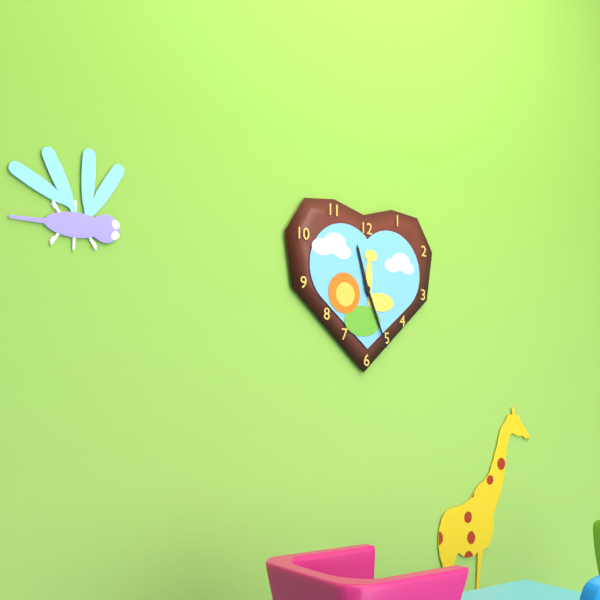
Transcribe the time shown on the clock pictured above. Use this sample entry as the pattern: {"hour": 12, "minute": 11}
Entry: {"hour": 11, "minute": 26}
